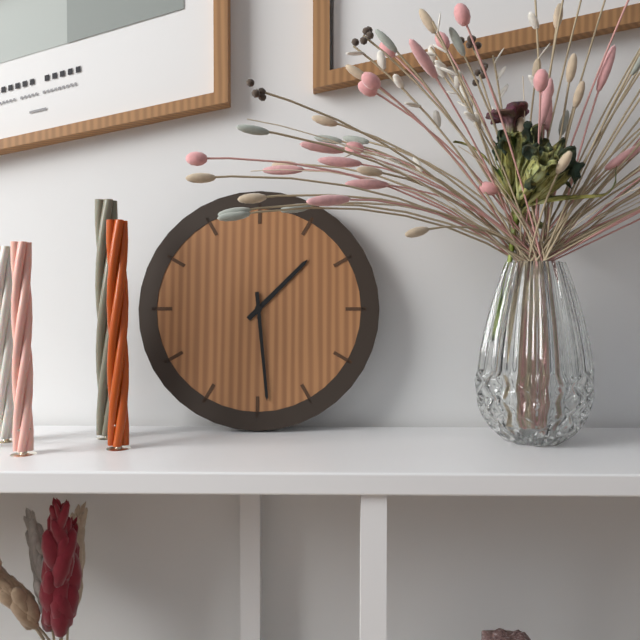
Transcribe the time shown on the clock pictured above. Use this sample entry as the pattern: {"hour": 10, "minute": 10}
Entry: {"hour": 1, "minute": 29}
